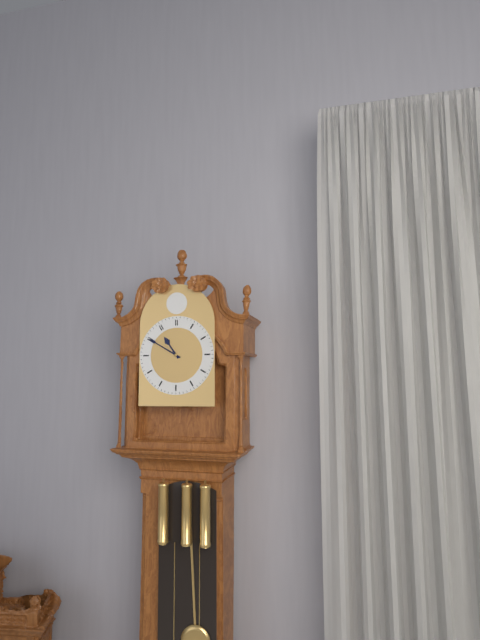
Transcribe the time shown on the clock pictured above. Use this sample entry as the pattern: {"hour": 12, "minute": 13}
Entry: {"hour": 10, "minute": 50}
